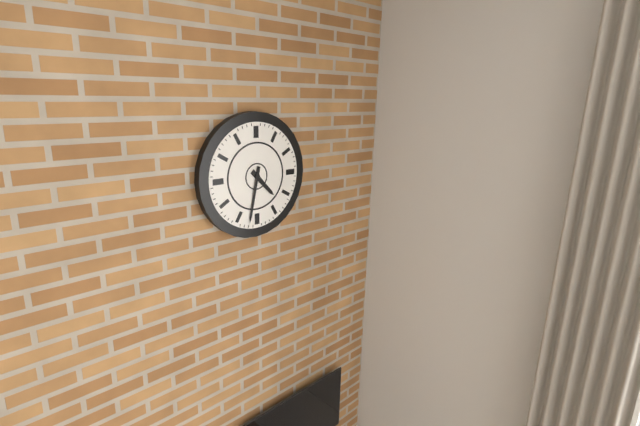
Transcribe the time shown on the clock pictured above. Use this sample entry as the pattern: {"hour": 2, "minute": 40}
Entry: {"hour": 4, "minute": 32}
